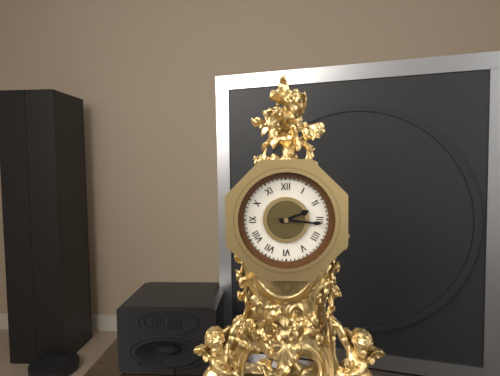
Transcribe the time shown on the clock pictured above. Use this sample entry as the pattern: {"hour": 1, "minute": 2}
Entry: {"hour": 2, "minute": 16}
